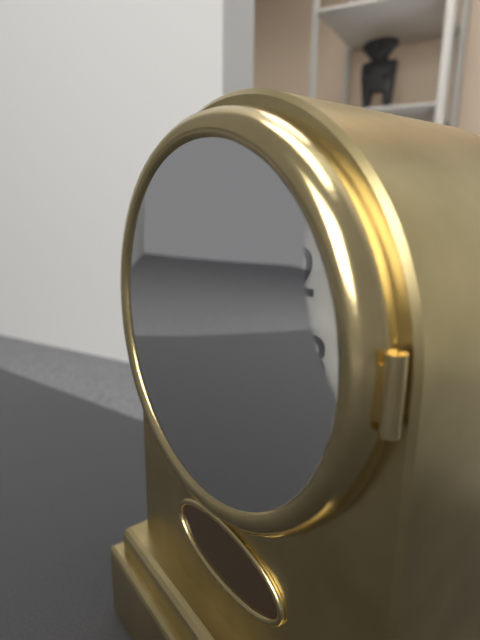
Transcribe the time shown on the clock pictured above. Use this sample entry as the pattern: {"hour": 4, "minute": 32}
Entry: {"hour": 3, "minute": 34}
